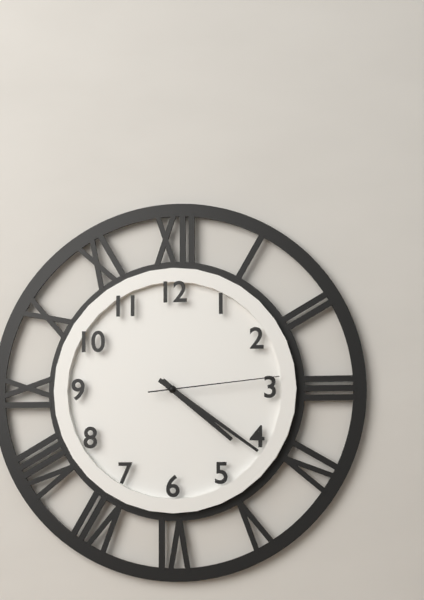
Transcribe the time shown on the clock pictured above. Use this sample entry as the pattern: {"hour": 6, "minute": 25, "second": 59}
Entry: {"hour": 4, "minute": 21, "second": 14}
